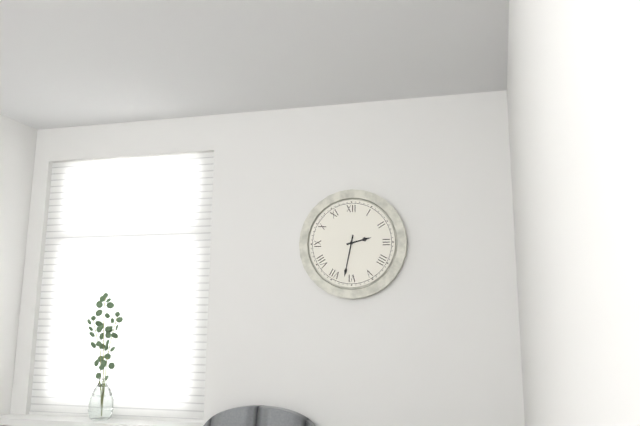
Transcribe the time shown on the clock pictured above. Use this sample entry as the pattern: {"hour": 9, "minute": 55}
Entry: {"hour": 2, "minute": 32}
